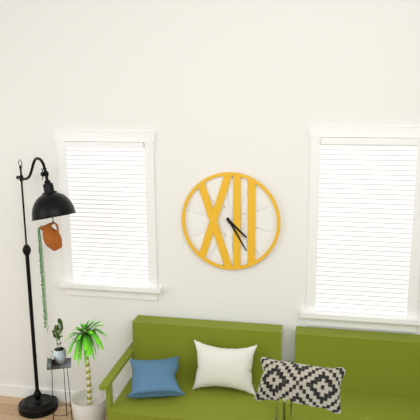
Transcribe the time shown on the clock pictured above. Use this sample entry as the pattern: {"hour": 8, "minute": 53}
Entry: {"hour": 4, "minute": 25}
